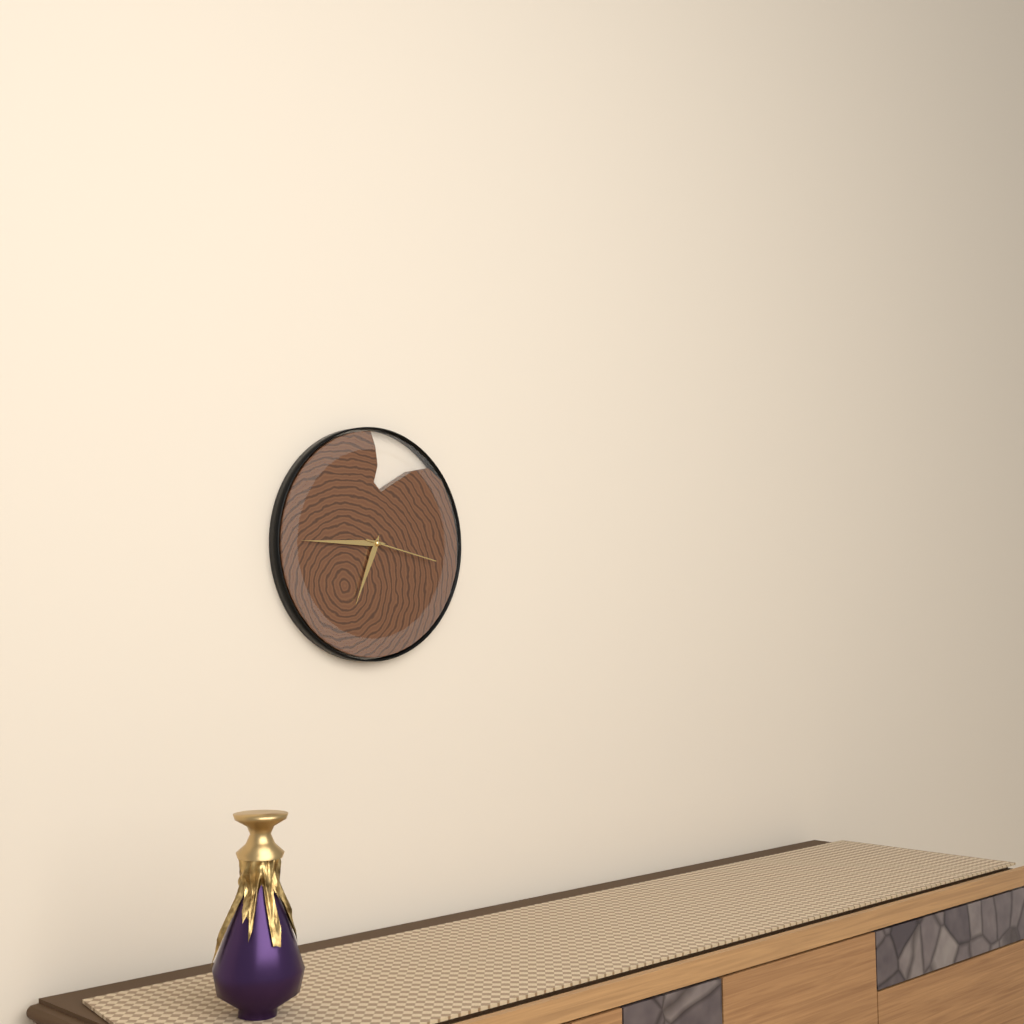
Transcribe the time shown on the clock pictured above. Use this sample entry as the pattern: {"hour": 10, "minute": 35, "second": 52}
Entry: {"hour": 6, "minute": 45, "second": 17}
